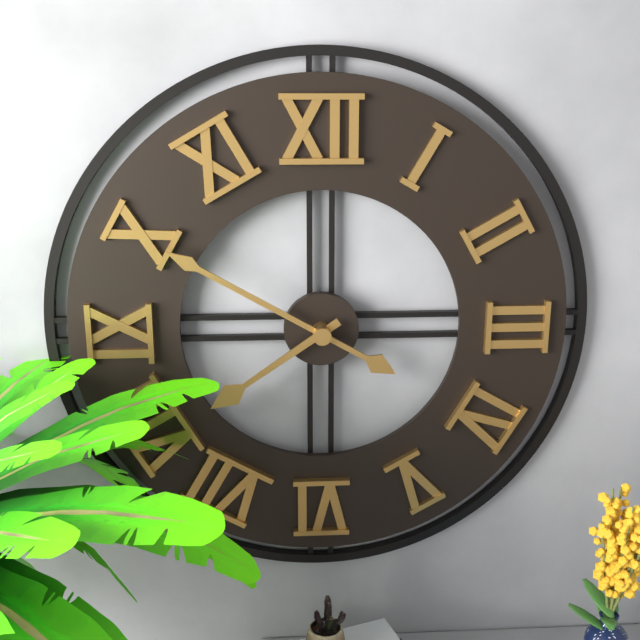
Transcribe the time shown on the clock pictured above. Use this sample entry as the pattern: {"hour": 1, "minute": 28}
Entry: {"hour": 7, "minute": 50}
